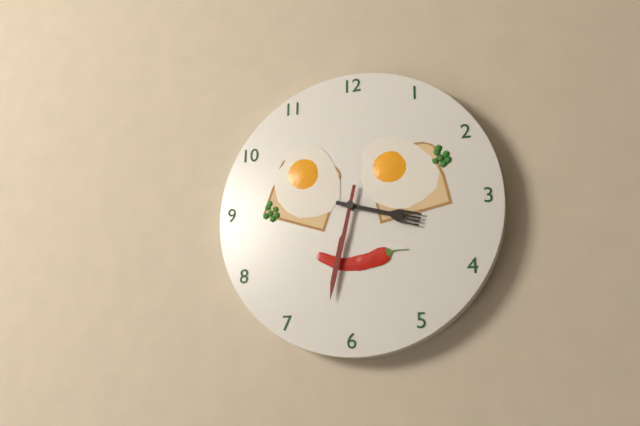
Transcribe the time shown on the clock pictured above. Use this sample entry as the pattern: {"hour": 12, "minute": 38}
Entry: {"hour": 3, "minute": 32}
